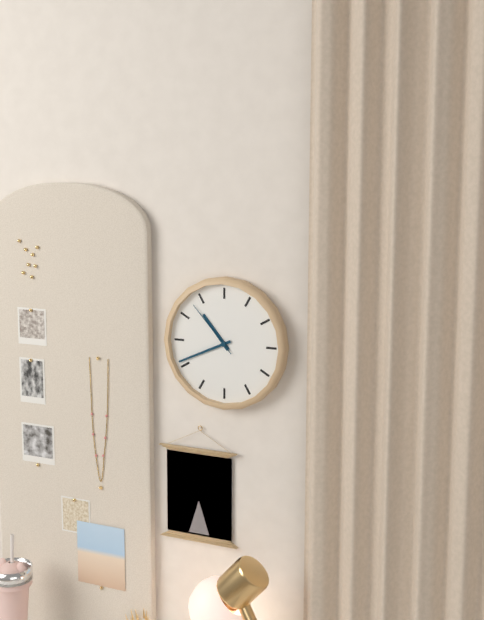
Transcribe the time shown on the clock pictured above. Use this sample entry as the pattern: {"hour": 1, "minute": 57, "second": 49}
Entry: {"hour": 10, "minute": 41, "second": 53}
